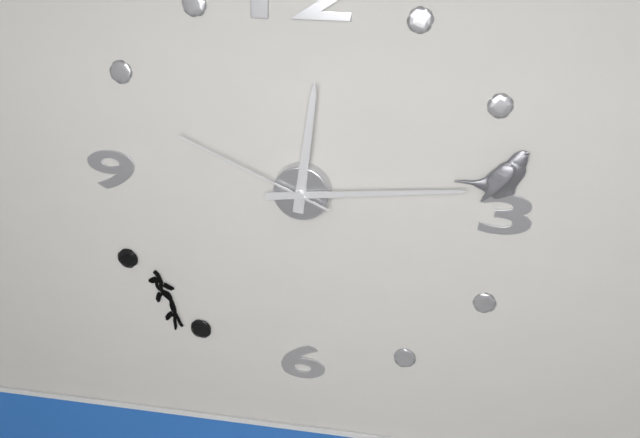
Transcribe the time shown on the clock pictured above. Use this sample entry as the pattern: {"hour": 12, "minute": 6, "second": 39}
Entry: {"hour": 12, "minute": 14, "second": 49}
